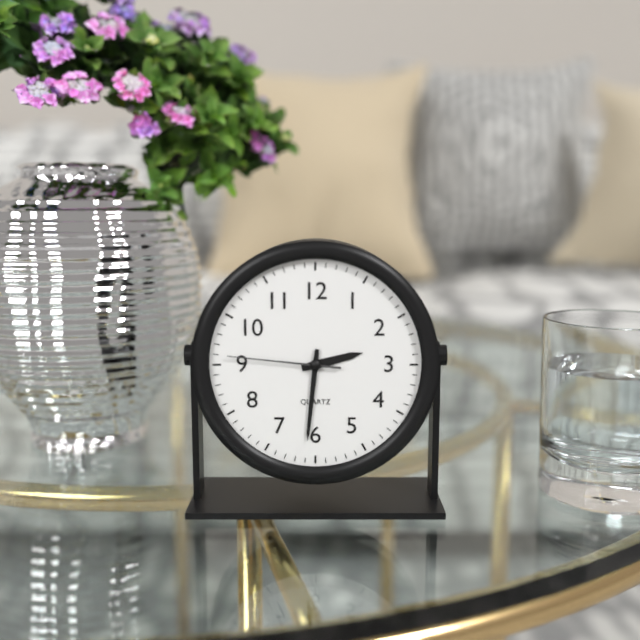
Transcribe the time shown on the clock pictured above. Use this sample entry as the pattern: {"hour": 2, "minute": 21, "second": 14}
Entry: {"hour": 2, "minute": 31, "second": 46}
